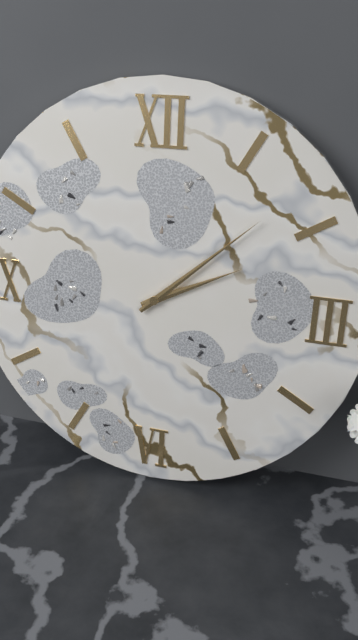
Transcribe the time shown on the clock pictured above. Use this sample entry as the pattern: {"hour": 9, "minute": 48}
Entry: {"hour": 2, "minute": 8}
